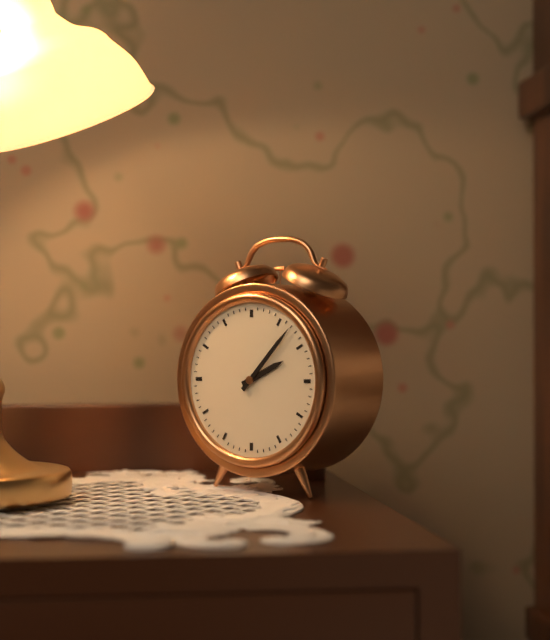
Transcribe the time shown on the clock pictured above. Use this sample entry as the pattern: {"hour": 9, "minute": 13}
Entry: {"hour": 2, "minute": 7}
